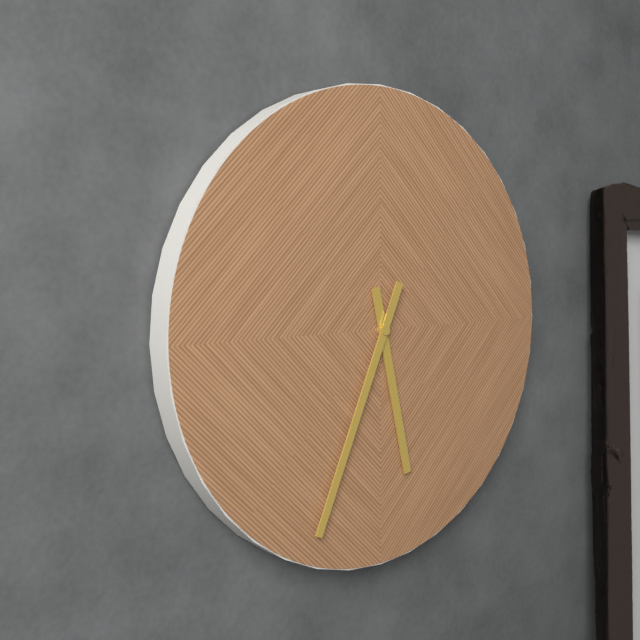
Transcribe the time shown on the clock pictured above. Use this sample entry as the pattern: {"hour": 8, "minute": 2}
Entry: {"hour": 5, "minute": 34}
